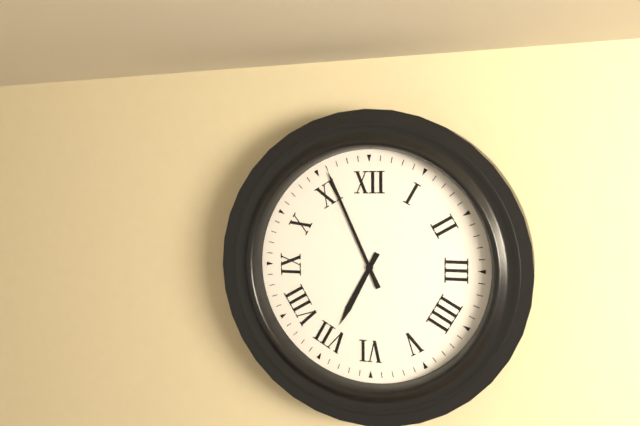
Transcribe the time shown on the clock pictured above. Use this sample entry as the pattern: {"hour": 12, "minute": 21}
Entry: {"hour": 6, "minute": 56}
